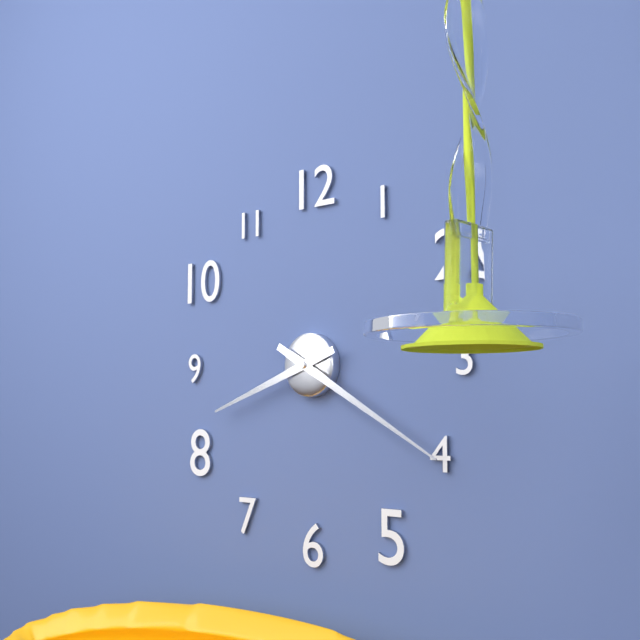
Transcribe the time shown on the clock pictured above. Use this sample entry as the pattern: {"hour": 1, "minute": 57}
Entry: {"hour": 8, "minute": 20}
